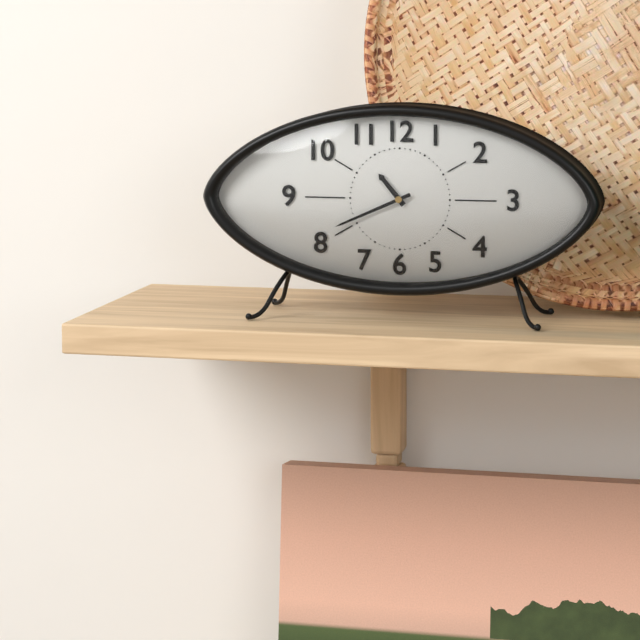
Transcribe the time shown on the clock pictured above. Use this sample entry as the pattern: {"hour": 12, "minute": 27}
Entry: {"hour": 10, "minute": 41}
